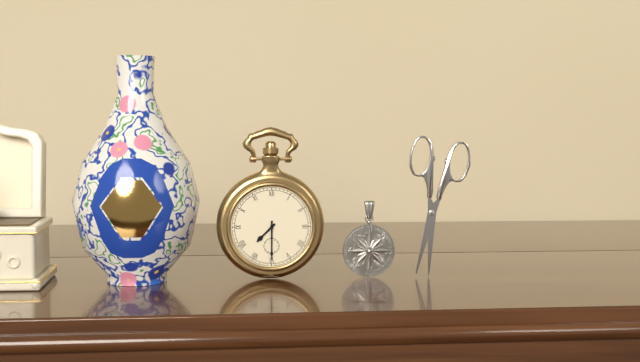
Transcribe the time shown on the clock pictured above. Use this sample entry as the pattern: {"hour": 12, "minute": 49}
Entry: {"hour": 7, "minute": 30}
